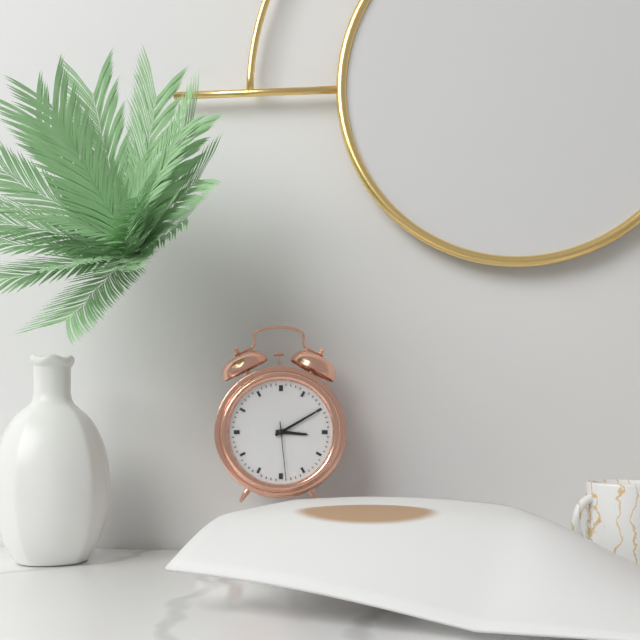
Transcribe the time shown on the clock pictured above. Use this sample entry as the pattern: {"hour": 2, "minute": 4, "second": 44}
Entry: {"hour": 3, "minute": 10, "second": 29}
